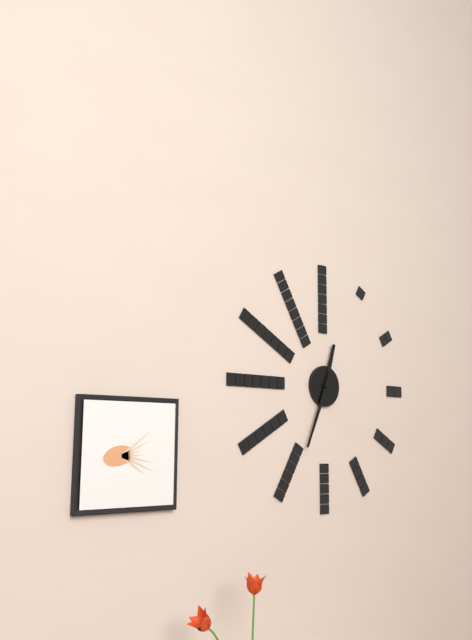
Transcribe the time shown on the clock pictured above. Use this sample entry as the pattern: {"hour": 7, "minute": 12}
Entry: {"hour": 12, "minute": 34}
